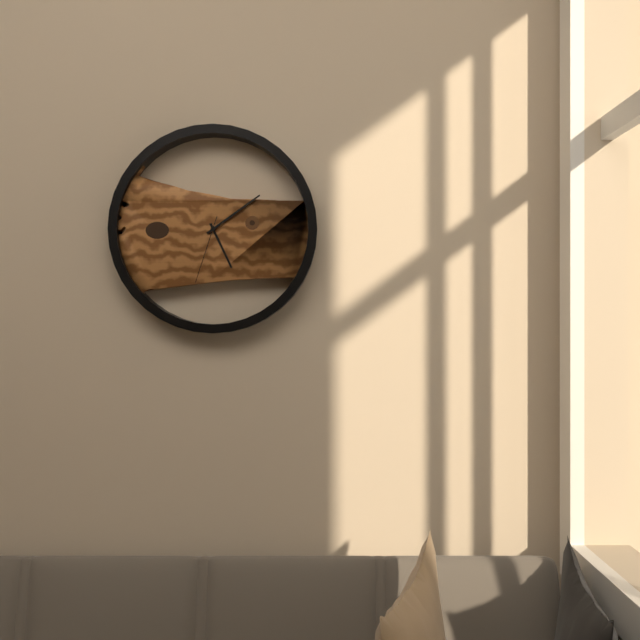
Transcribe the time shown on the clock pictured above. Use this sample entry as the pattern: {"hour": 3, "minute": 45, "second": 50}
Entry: {"hour": 5, "minute": 9, "second": 33}
